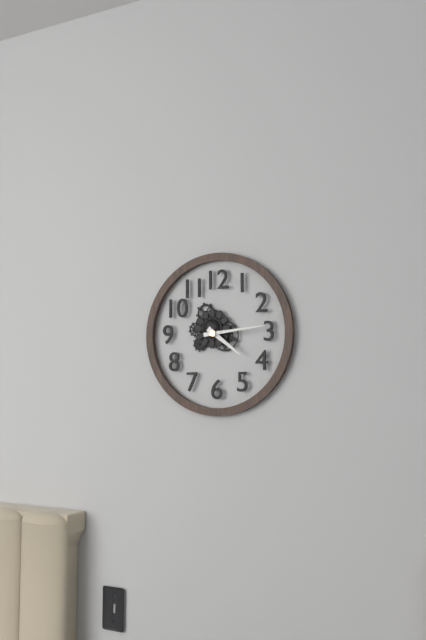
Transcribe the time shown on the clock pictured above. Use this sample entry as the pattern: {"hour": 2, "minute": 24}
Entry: {"hour": 4, "minute": 14}
